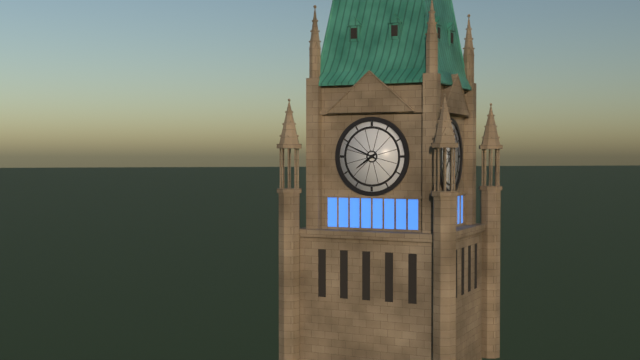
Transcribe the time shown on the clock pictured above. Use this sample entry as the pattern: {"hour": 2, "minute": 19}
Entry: {"hour": 7, "minute": 49}
